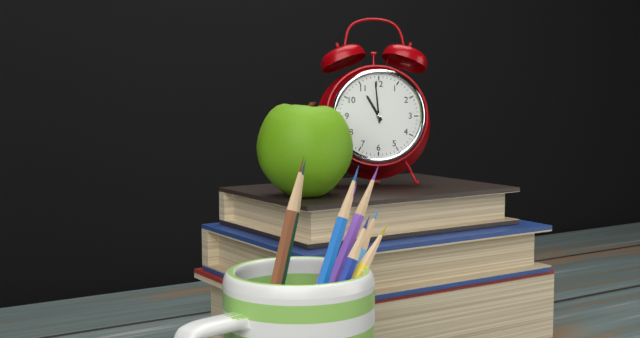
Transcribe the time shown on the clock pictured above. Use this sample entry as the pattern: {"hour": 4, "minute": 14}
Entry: {"hour": 10, "minute": 59}
